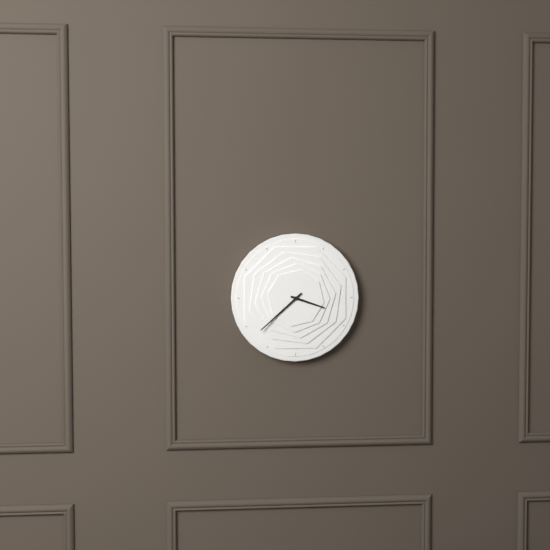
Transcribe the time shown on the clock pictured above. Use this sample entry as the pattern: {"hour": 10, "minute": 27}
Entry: {"hour": 3, "minute": 38}
